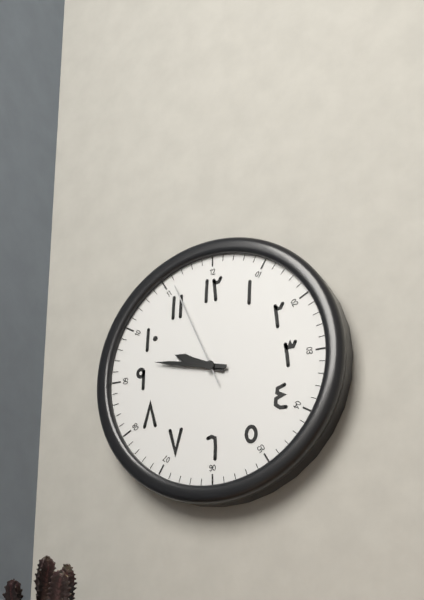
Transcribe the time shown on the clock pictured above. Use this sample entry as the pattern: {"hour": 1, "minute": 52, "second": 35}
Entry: {"hour": 9, "minute": 47, "second": 56}
